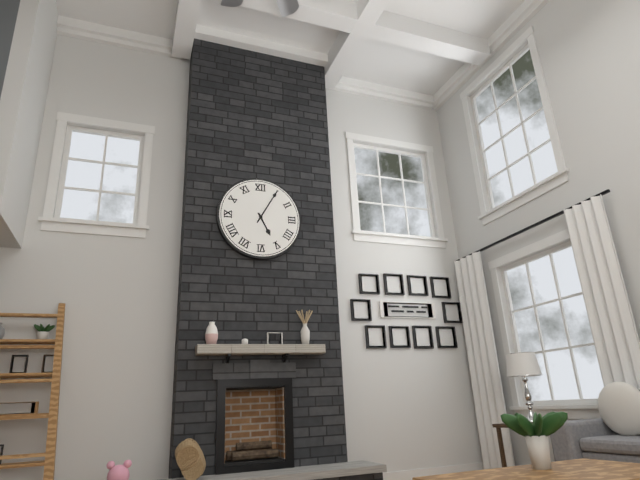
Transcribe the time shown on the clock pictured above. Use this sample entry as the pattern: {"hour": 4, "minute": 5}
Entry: {"hour": 5, "minute": 5}
